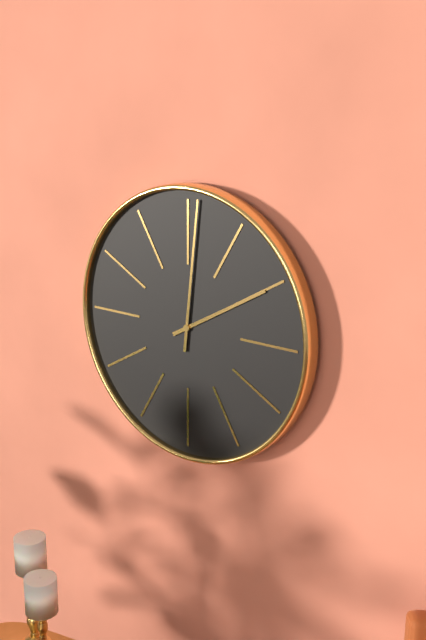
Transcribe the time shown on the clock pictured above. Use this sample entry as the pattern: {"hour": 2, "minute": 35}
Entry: {"hour": 2, "minute": 1}
